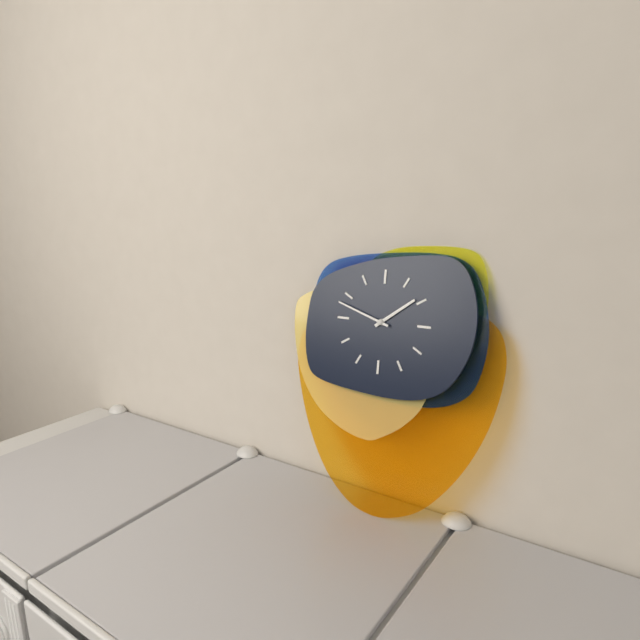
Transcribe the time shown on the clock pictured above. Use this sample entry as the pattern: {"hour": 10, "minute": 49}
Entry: {"hour": 1, "minute": 48}
